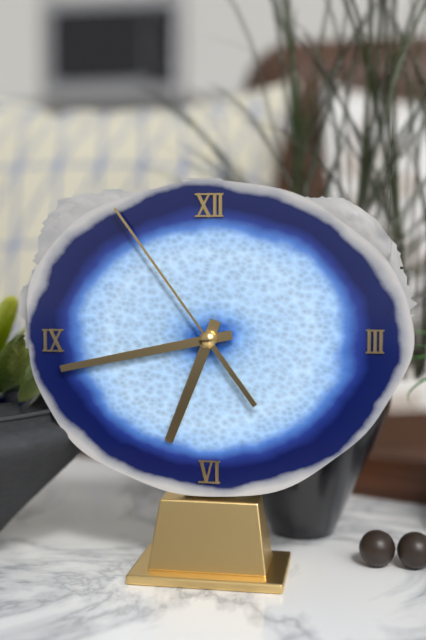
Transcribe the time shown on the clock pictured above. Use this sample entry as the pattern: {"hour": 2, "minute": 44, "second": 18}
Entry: {"hour": 6, "minute": 43, "second": 54}
